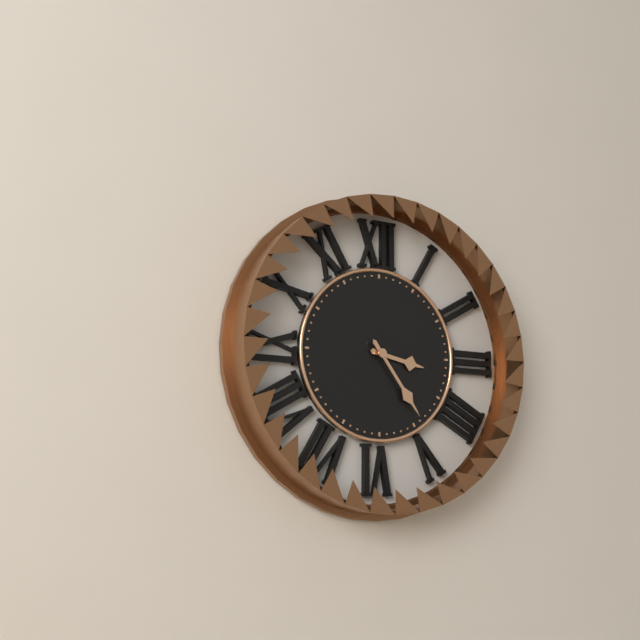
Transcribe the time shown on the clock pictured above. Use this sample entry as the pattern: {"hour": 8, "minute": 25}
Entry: {"hour": 3, "minute": 24}
